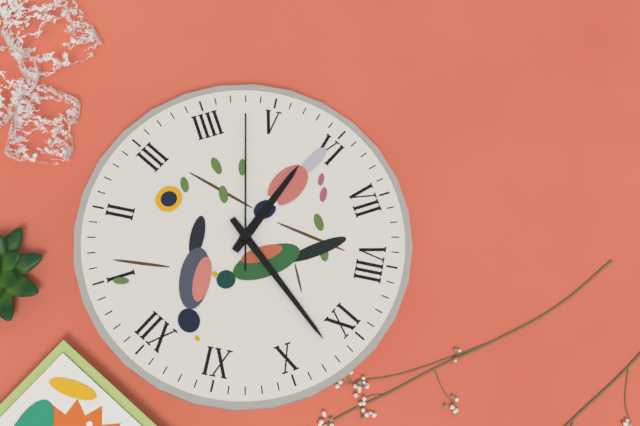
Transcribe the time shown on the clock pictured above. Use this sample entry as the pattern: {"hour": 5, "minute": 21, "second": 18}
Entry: {"hour": 5, "minute": 47, "second": 23}
